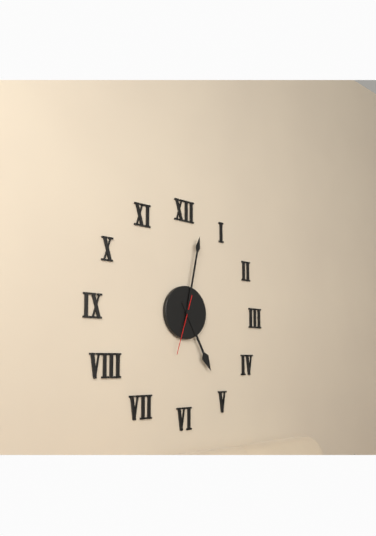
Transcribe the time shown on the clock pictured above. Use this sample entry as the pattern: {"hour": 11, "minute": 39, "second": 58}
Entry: {"hour": 5, "minute": 2, "second": 33}
